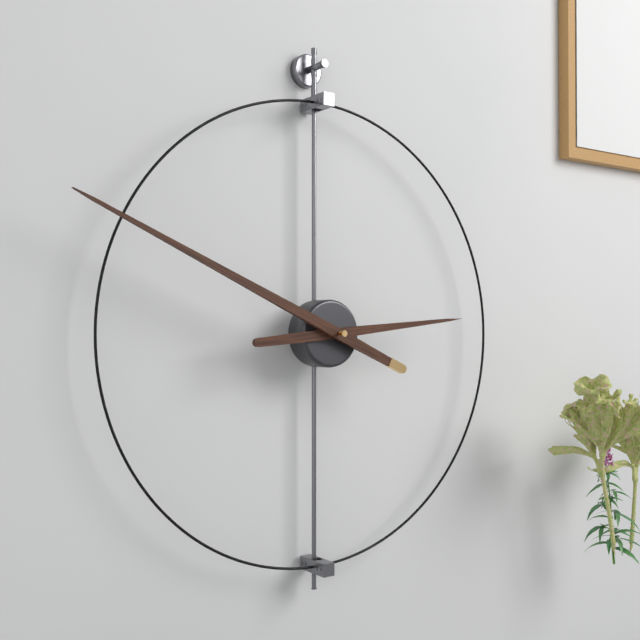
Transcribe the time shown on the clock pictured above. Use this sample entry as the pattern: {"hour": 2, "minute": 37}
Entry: {"hour": 2, "minute": 49}
